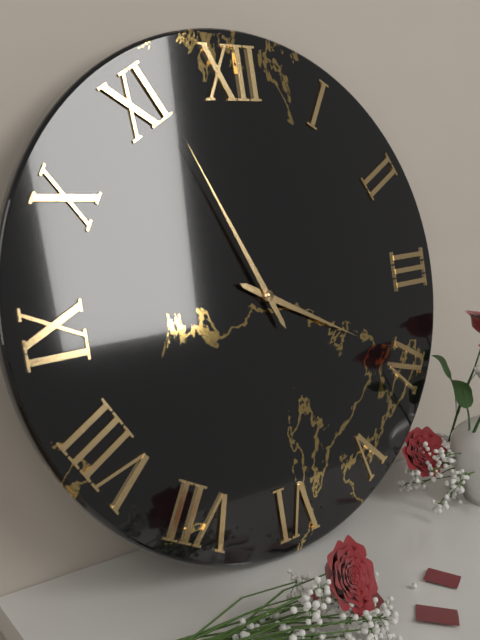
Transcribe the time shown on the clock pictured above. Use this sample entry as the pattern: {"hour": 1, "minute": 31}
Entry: {"hour": 3, "minute": 56}
